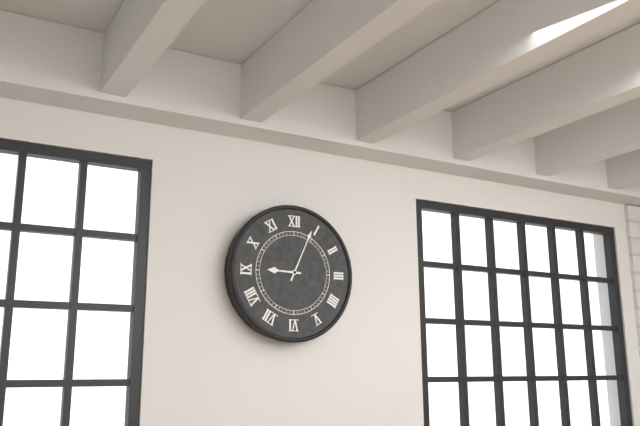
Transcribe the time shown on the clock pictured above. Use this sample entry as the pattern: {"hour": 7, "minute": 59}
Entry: {"hour": 9, "minute": 4}
